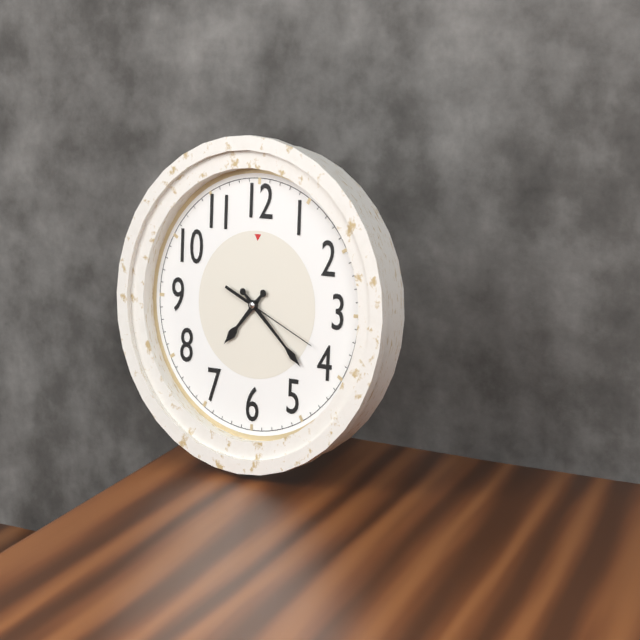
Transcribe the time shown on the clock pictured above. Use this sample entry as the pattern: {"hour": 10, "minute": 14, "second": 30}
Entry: {"hour": 7, "minute": 22, "second": 19}
